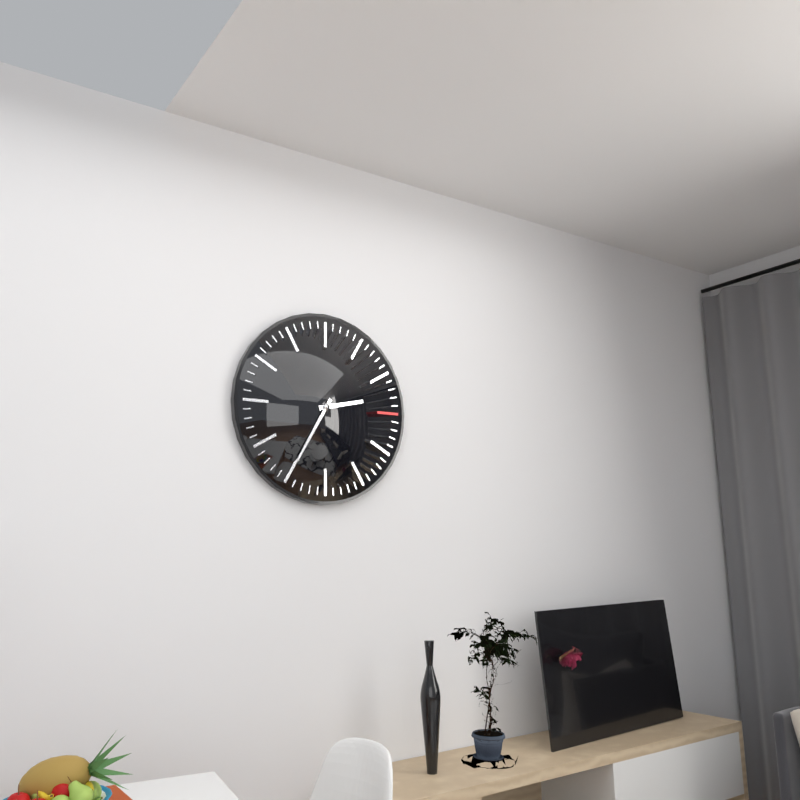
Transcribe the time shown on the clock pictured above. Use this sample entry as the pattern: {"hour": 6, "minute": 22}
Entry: {"hour": 2, "minute": 35}
